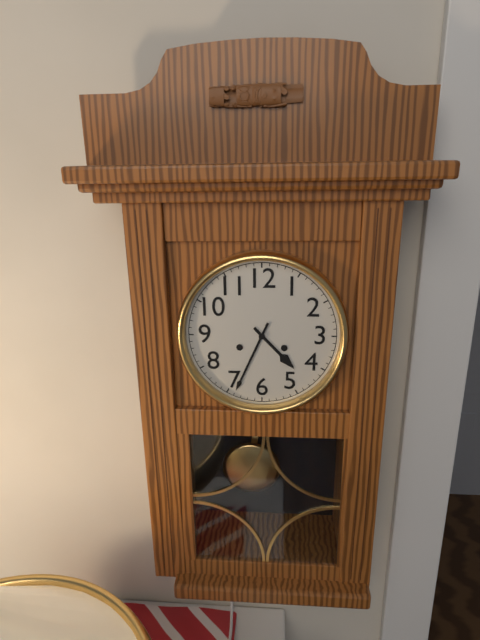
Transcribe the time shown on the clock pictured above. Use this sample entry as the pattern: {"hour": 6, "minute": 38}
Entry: {"hour": 4, "minute": 34}
